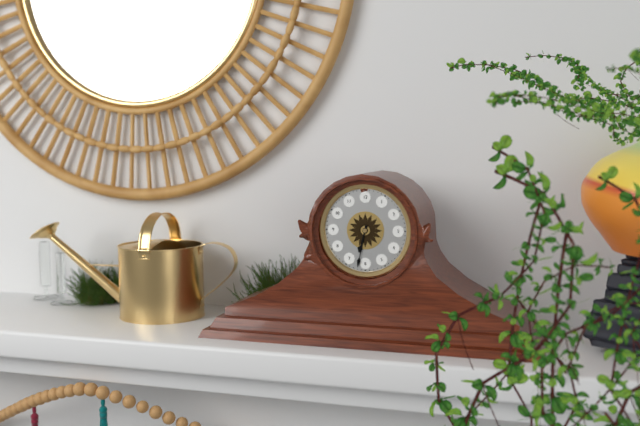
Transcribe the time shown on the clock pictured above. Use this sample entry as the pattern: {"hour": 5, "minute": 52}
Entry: {"hour": 6, "minute": 32}
